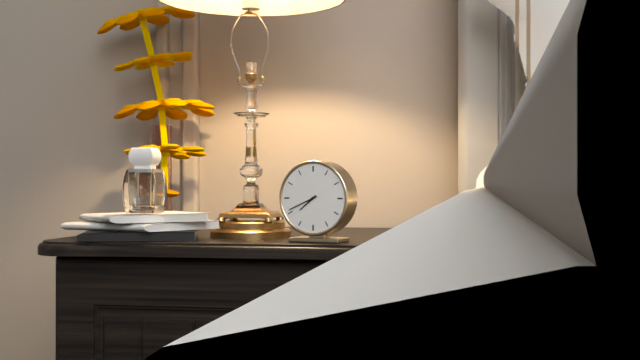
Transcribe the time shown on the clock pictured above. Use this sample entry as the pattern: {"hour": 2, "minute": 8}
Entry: {"hour": 7, "minute": 41}
